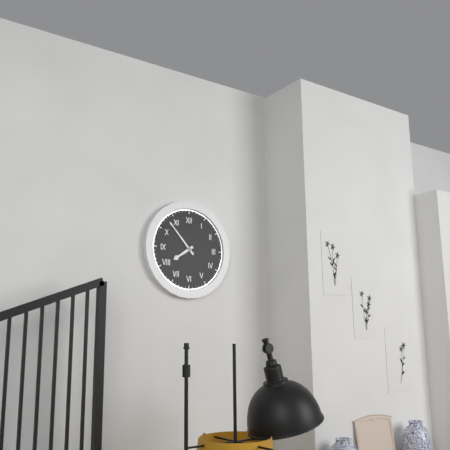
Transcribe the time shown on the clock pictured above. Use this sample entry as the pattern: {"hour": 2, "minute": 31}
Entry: {"hour": 7, "minute": 53}
